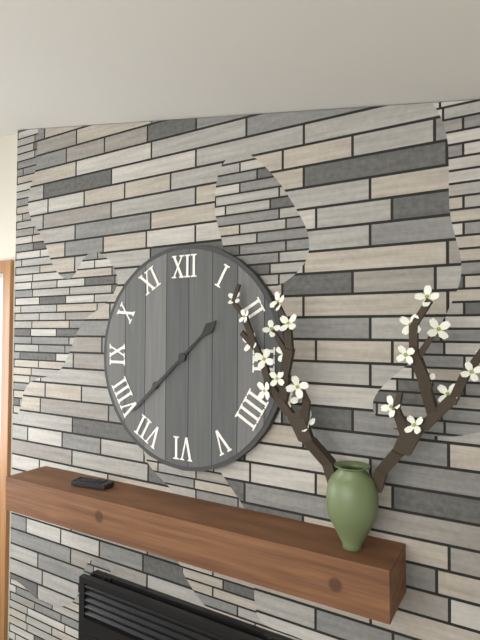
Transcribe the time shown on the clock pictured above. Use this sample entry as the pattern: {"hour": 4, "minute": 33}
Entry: {"hour": 7, "minute": 38}
